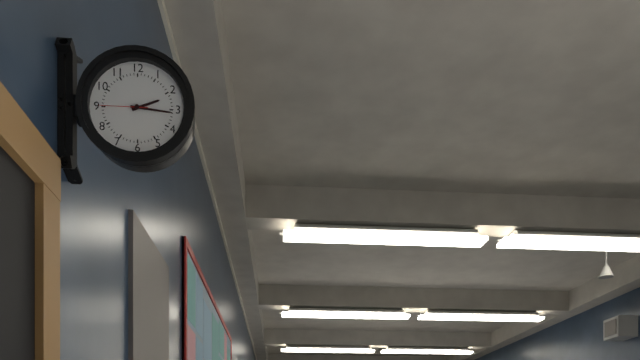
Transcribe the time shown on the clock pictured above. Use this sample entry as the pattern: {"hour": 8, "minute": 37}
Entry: {"hour": 2, "minute": 16}
